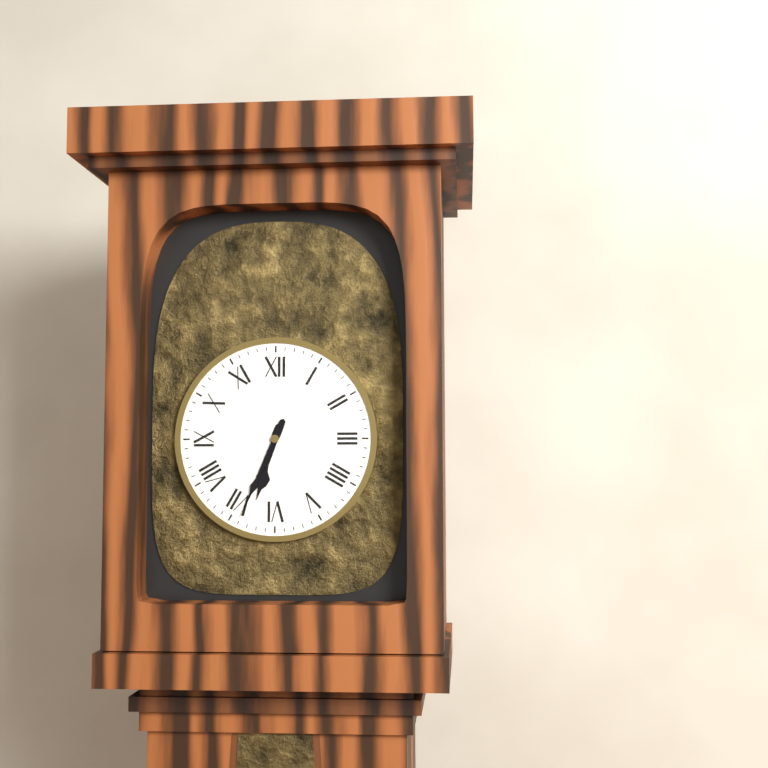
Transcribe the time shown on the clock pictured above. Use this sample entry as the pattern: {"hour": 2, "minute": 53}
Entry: {"hour": 6, "minute": 34}
